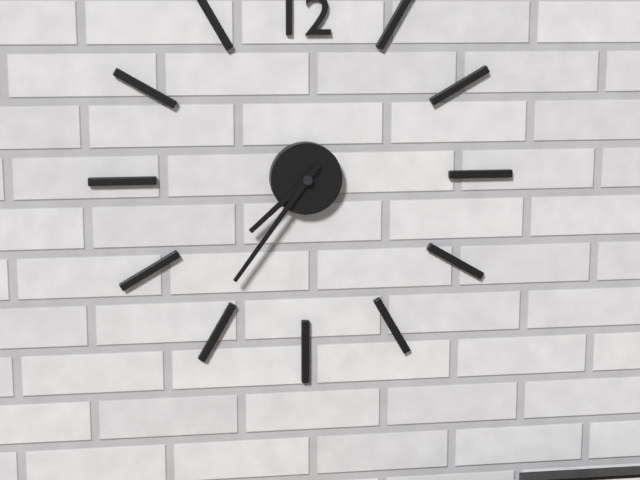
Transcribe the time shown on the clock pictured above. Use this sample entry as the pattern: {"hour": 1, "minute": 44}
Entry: {"hour": 7, "minute": 36}
